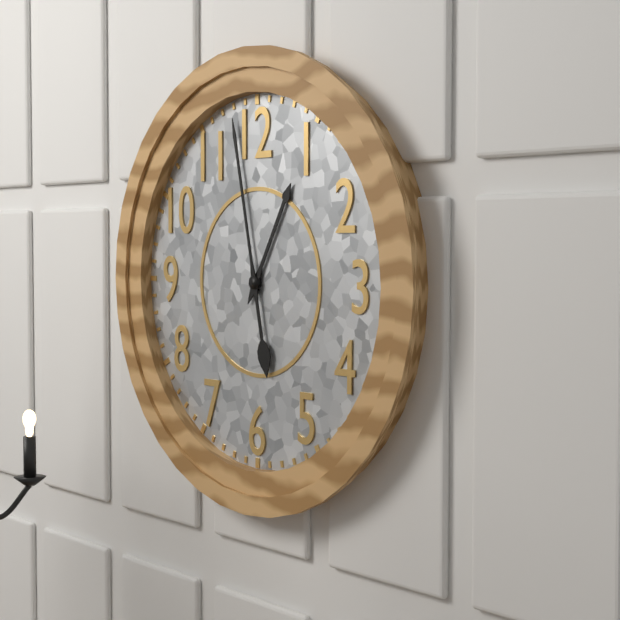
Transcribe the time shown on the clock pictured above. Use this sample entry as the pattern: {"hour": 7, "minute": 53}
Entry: {"hour": 12, "minute": 58}
